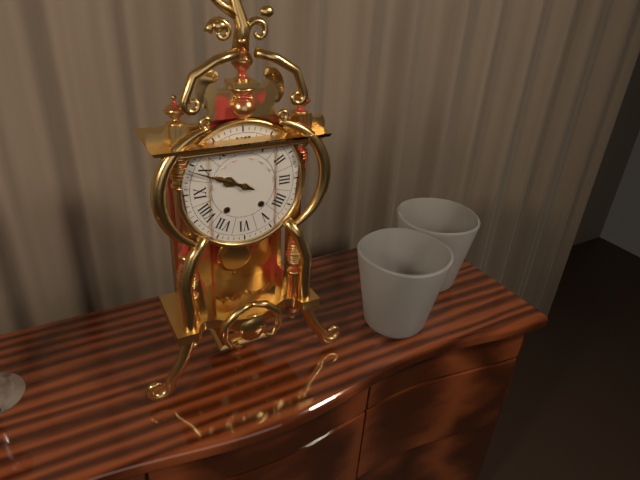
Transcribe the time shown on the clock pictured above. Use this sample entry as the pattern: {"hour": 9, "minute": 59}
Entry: {"hour": 9, "minute": 49}
